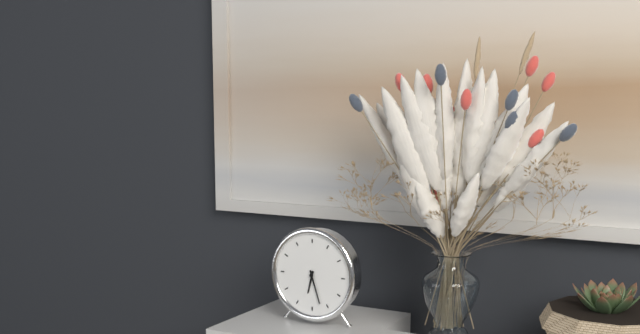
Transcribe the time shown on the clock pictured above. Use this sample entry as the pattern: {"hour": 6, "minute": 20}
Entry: {"hour": 6, "minute": 27}
